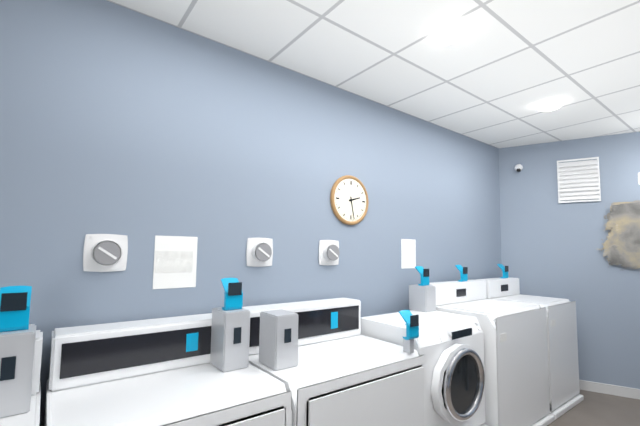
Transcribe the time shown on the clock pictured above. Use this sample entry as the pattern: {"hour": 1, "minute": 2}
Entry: {"hour": 2, "minute": 28}
